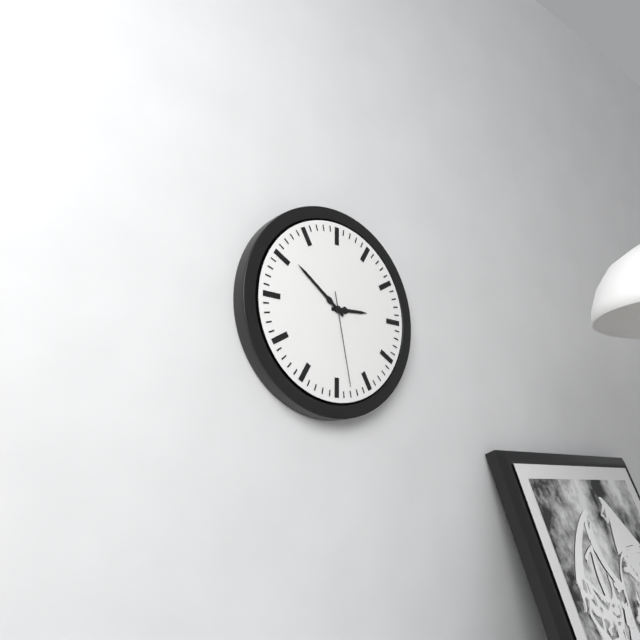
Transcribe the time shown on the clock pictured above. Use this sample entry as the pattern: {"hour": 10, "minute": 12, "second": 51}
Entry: {"hour": 2, "minute": 51, "second": 28}
